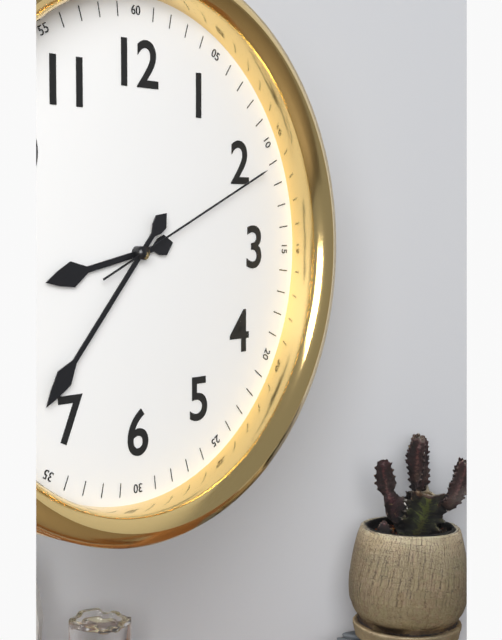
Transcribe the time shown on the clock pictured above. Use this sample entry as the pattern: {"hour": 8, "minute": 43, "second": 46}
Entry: {"hour": 8, "minute": 37, "second": 11}
